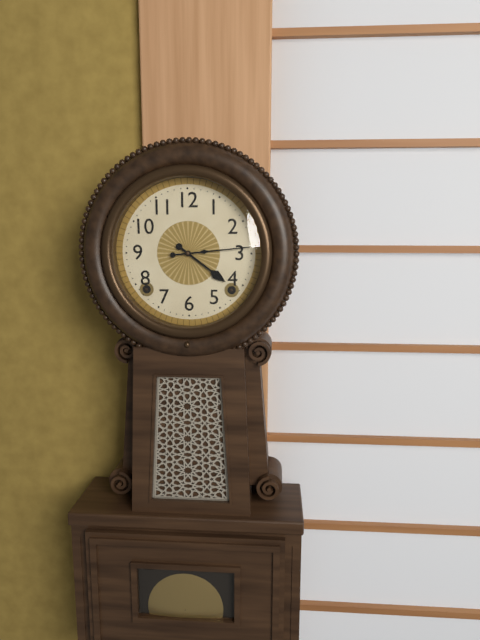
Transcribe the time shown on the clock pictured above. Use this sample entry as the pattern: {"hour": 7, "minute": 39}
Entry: {"hour": 4, "minute": 14}
